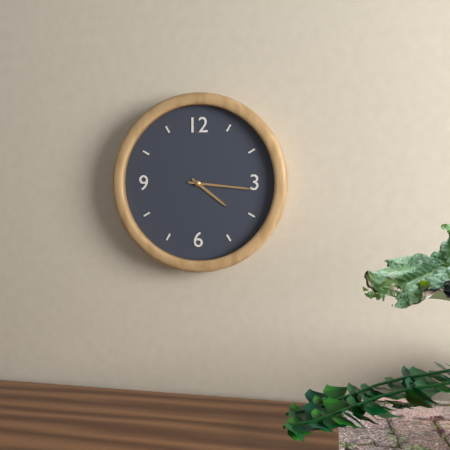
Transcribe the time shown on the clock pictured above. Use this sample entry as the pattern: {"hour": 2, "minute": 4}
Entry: {"hour": 4, "minute": 16}
